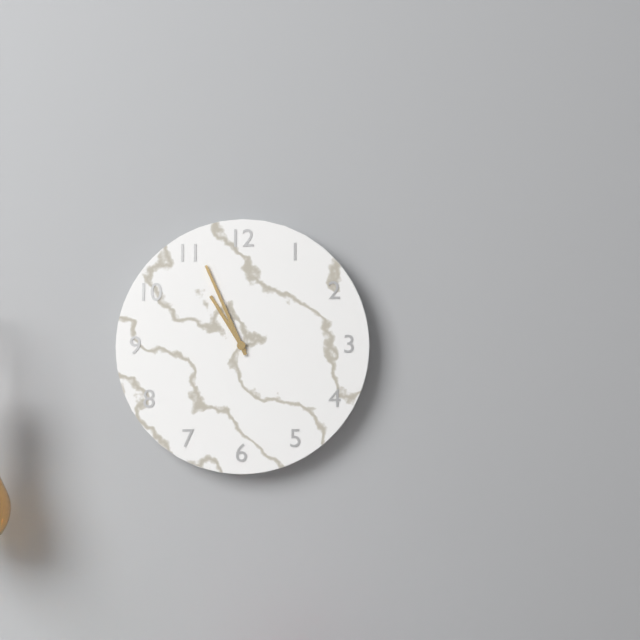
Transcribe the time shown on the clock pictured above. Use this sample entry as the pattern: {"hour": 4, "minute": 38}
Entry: {"hour": 10, "minute": 56}
